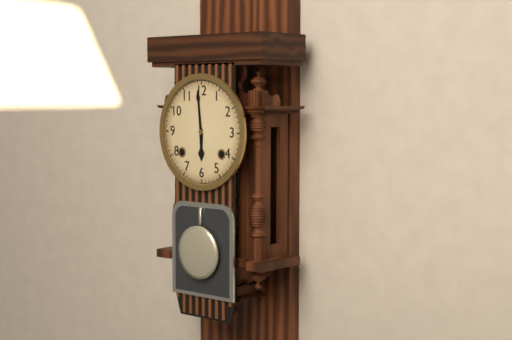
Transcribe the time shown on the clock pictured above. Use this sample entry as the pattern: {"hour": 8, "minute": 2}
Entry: {"hour": 5, "minute": 59}
